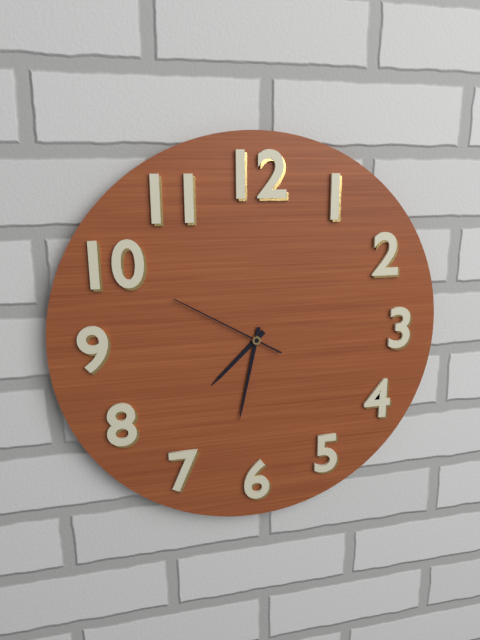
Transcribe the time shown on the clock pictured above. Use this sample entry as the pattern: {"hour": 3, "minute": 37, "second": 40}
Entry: {"hour": 7, "minute": 32, "second": 50}
